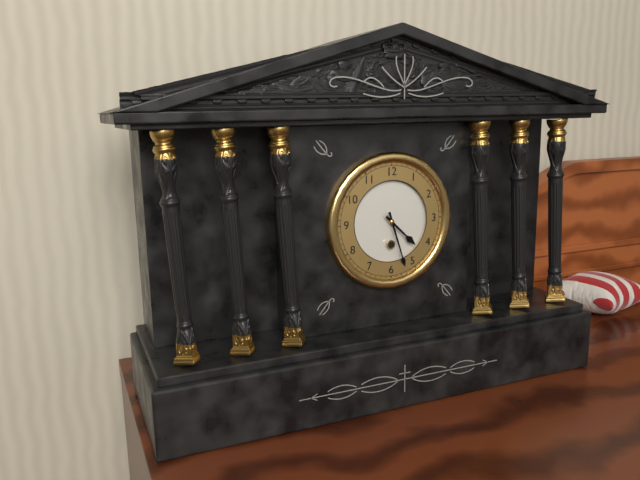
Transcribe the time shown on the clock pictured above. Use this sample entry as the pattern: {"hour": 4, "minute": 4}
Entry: {"hour": 4, "minute": 27}
